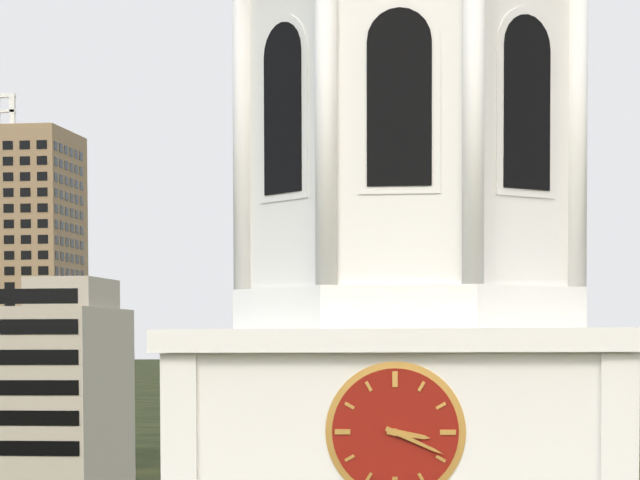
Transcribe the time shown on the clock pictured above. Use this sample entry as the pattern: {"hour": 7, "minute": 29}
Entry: {"hour": 3, "minute": 19}
